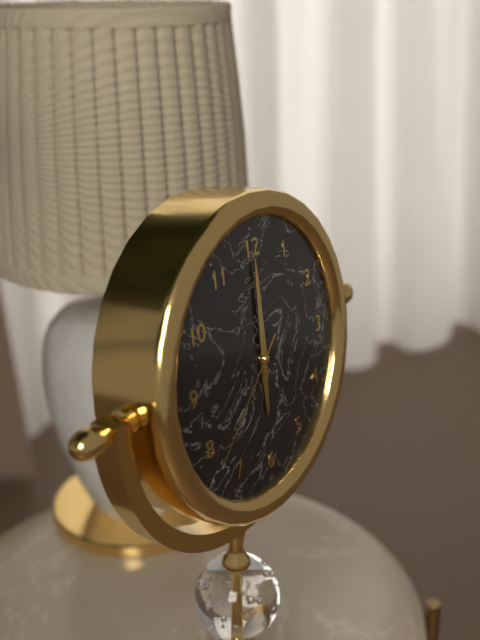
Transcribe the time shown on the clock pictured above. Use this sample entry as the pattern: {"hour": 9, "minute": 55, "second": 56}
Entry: {"hour": 6, "minute": 0, "second": 38}
